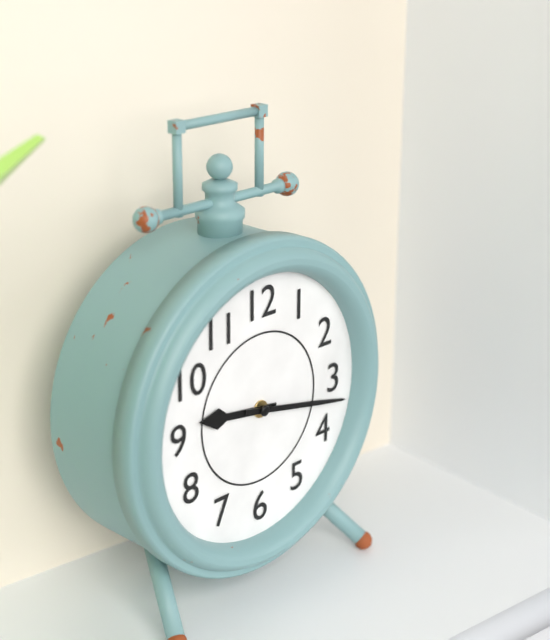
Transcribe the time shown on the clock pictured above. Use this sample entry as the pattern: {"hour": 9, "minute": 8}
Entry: {"hour": 9, "minute": 17}
